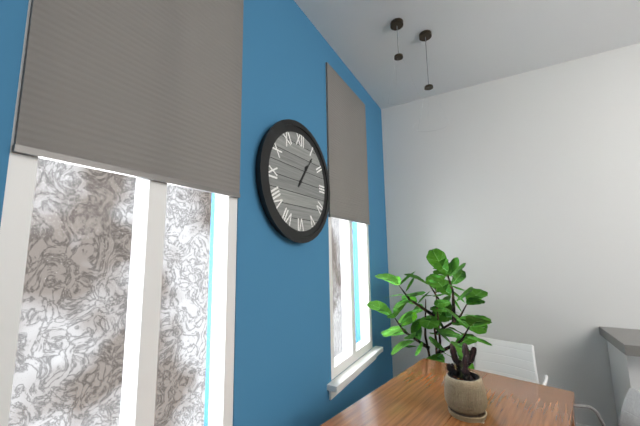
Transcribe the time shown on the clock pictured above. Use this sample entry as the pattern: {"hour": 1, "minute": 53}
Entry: {"hour": 1, "minute": 6}
